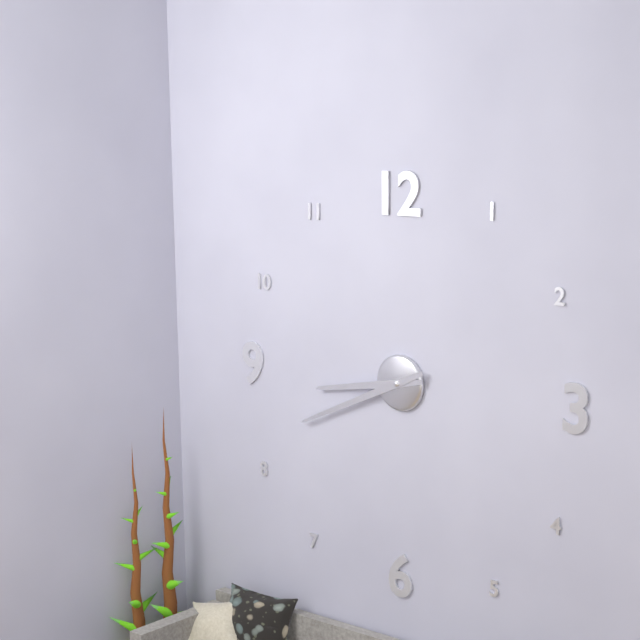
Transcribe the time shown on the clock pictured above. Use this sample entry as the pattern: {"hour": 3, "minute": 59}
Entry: {"hour": 8, "minute": 41}
